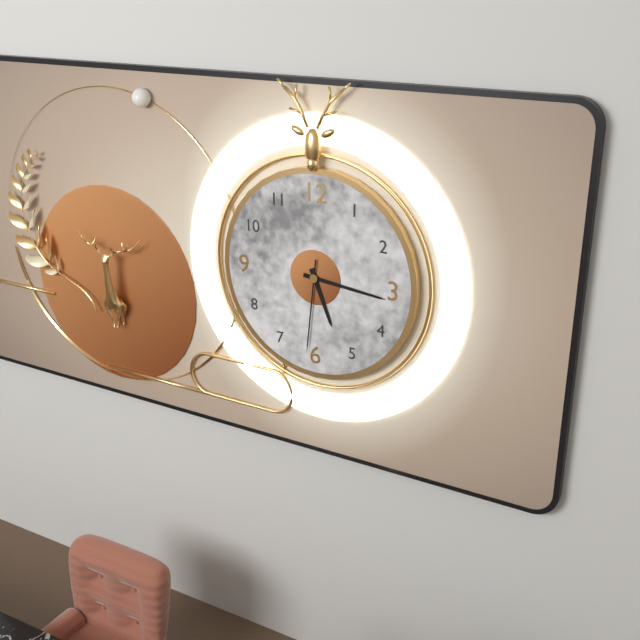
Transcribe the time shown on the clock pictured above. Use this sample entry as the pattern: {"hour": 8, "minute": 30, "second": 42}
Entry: {"hour": 5, "minute": 16, "second": 31}
